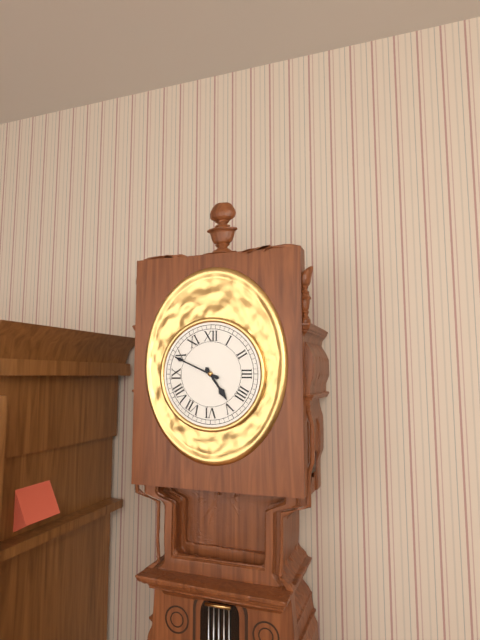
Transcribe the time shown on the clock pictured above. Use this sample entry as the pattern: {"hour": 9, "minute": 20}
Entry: {"hour": 4, "minute": 49}
